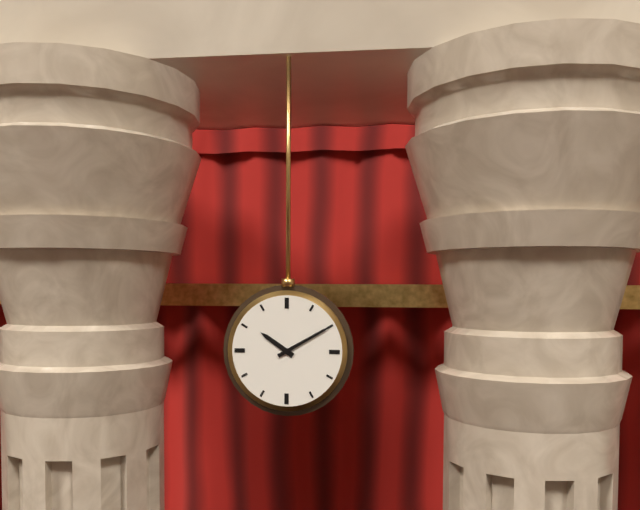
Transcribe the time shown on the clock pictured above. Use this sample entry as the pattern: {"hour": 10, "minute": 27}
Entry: {"hour": 10, "minute": 10}
